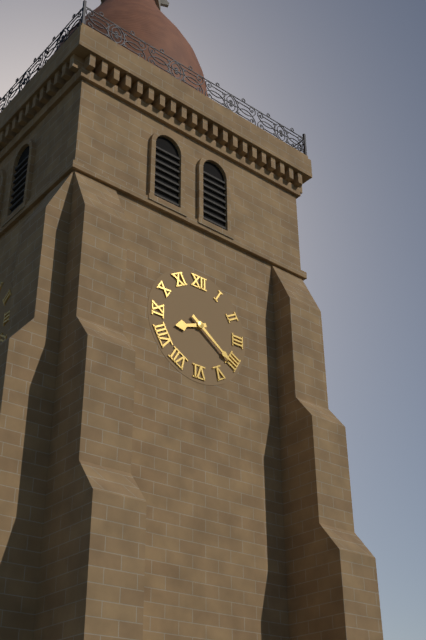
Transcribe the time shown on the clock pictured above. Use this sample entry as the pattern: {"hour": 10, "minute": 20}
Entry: {"hour": 8, "minute": 21}
